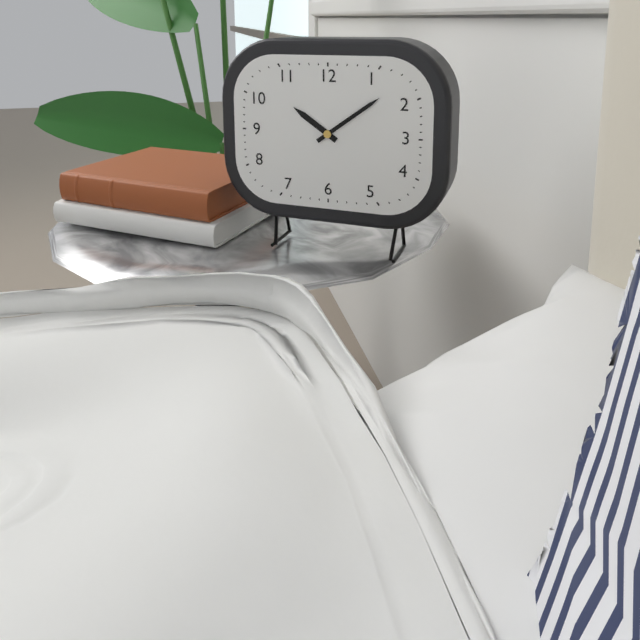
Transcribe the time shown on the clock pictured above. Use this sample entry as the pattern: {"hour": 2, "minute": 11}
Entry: {"hour": 10, "minute": 9}
